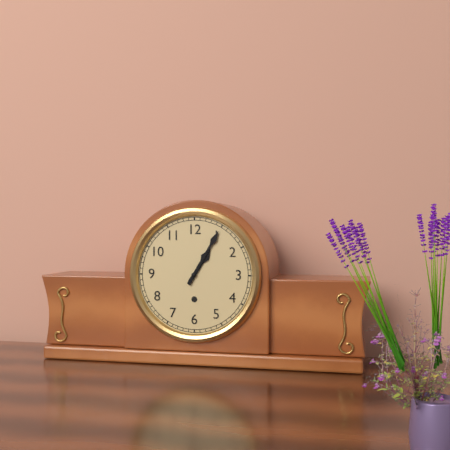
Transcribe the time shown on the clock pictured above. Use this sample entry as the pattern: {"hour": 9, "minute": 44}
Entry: {"hour": 1, "minute": 5}
